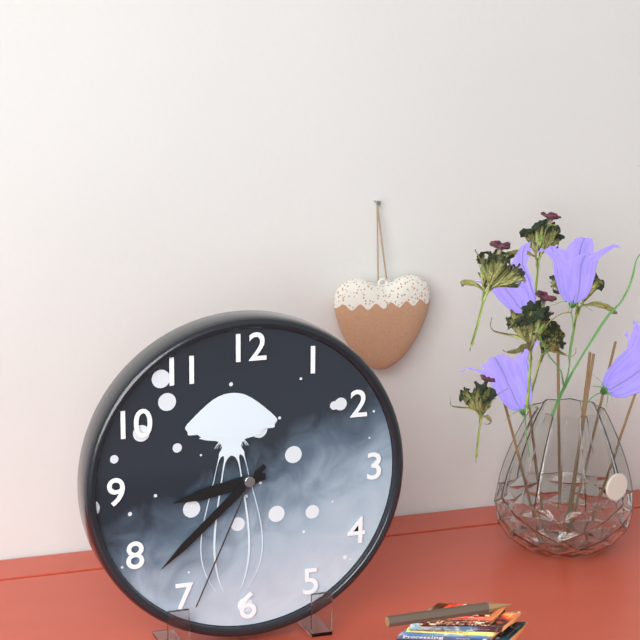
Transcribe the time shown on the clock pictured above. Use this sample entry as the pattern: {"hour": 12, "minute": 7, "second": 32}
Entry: {"hour": 8, "minute": 38, "second": 34}
